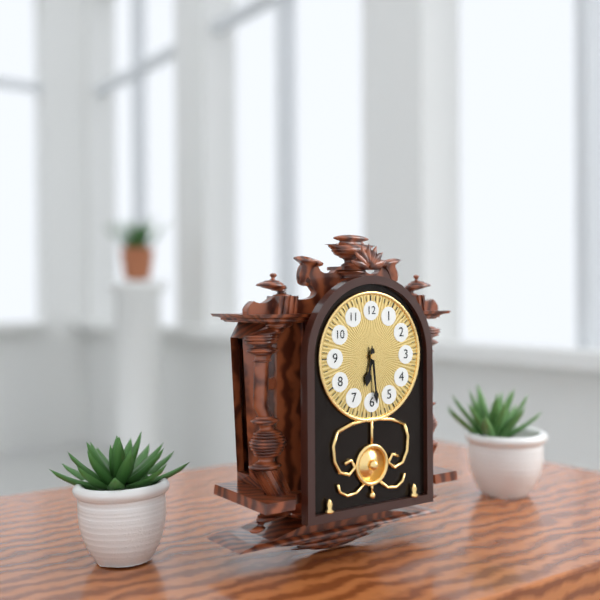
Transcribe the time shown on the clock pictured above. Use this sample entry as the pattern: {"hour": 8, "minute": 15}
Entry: {"hour": 6, "minute": 29}
